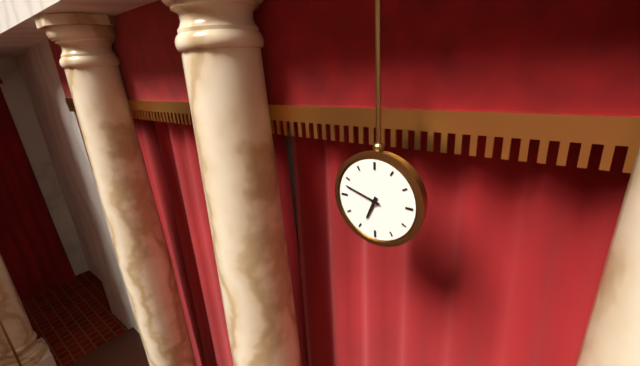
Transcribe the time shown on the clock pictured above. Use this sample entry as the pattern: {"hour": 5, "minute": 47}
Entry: {"hour": 6, "minute": 48}
